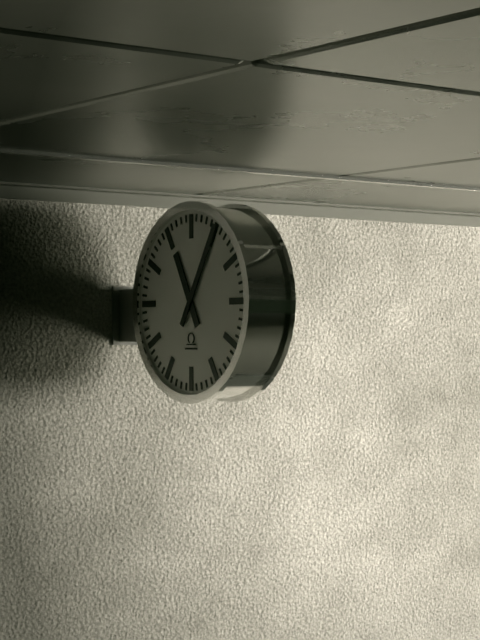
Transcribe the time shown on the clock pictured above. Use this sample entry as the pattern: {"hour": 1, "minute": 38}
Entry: {"hour": 11, "minute": 5}
